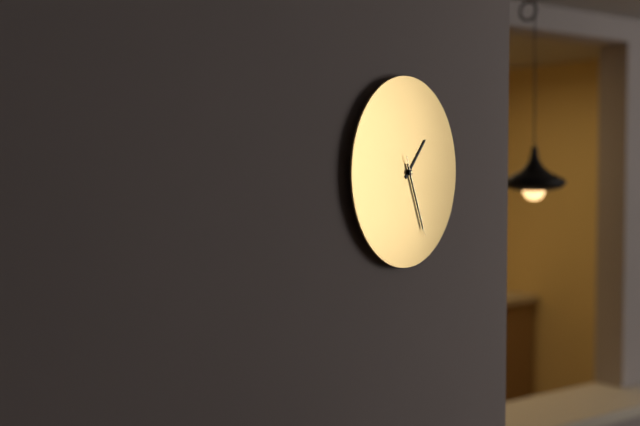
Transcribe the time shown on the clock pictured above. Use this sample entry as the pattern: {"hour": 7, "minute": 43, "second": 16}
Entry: {"hour": 1, "minute": 26, "second": 26}
